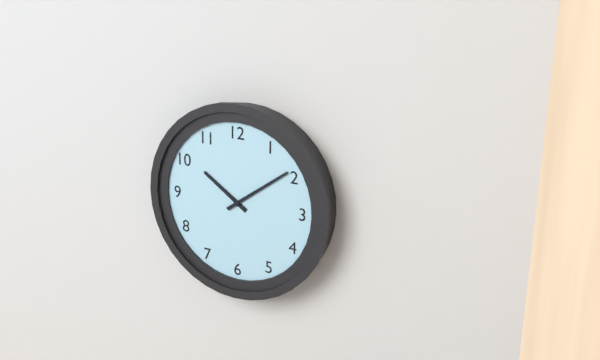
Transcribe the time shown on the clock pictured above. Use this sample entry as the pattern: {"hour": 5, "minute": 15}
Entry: {"hour": 10, "minute": 9}
